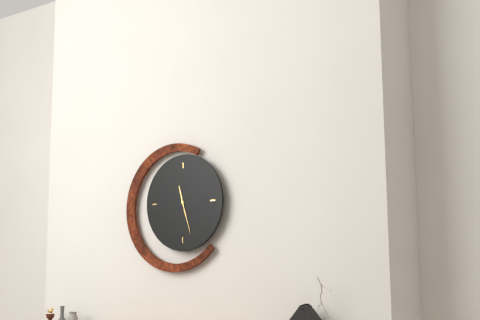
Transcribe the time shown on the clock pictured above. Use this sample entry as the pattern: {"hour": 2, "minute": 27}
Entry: {"hour": 11, "minute": 27}
